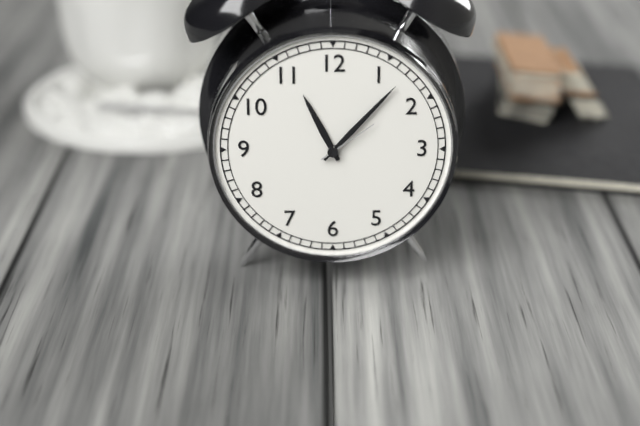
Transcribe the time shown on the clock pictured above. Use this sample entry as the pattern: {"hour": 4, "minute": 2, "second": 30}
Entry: {"hour": 11, "minute": 7, "second": 9}
